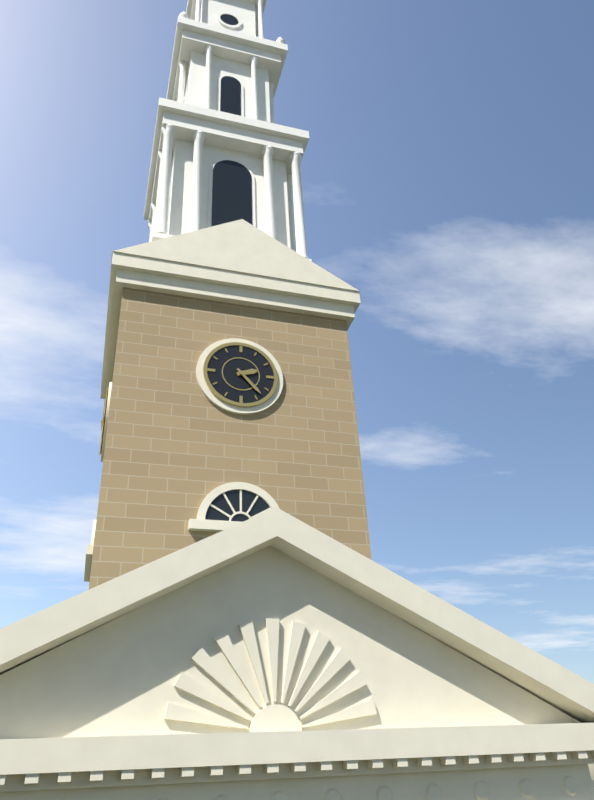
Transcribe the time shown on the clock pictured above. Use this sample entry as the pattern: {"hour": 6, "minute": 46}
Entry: {"hour": 2, "minute": 23}
